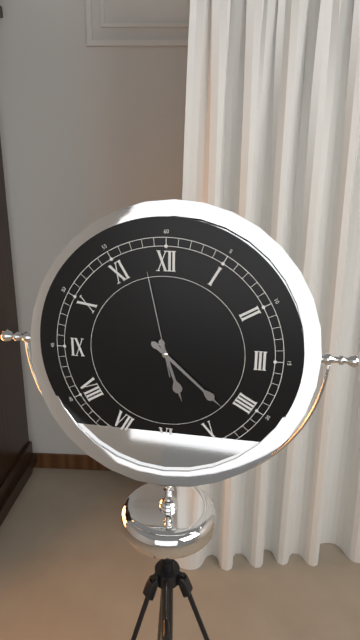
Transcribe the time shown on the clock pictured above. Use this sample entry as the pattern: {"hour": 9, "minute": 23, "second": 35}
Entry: {"hour": 5, "minute": 22, "second": 58}
